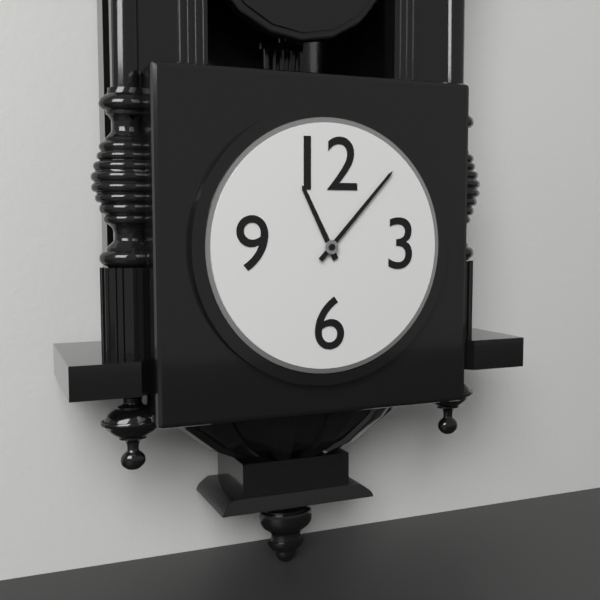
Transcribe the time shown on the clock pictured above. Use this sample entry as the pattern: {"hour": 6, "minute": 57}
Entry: {"hour": 11, "minute": 7}
